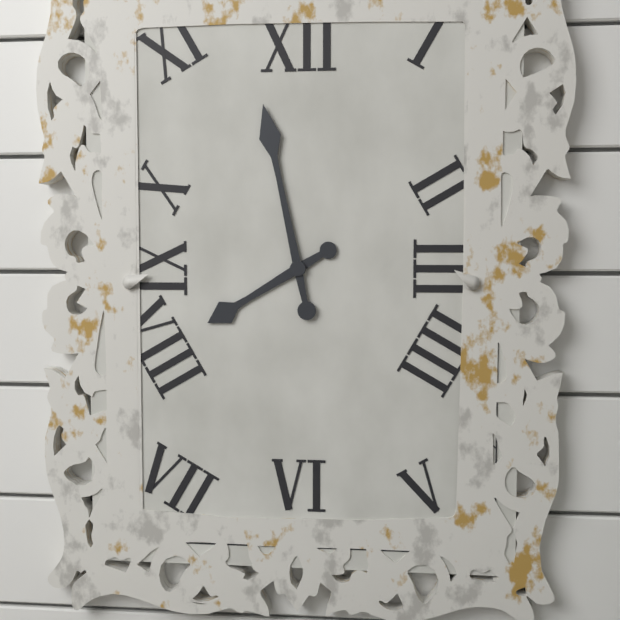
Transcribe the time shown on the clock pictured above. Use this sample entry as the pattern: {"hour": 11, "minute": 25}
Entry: {"hour": 7, "minute": 58}
